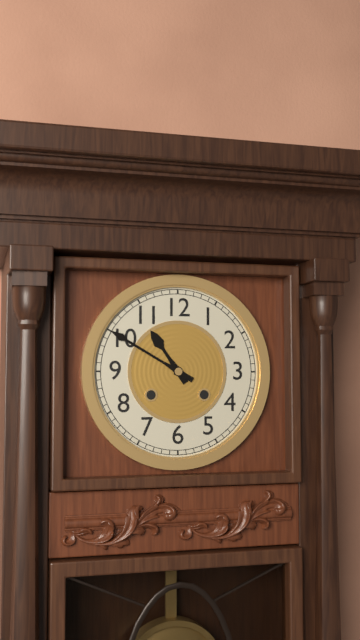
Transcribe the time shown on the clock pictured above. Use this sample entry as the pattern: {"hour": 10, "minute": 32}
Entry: {"hour": 10, "minute": 50}
